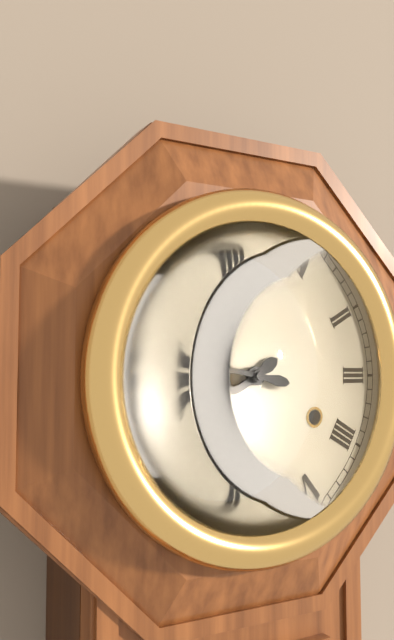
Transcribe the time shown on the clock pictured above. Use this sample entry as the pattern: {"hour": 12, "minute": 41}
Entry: {"hour": 7, "minute": 47}
